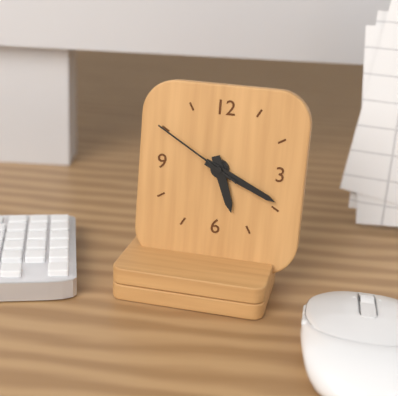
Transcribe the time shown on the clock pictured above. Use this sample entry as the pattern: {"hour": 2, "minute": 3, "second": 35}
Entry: {"hour": 5, "minute": 19, "second": 50}
